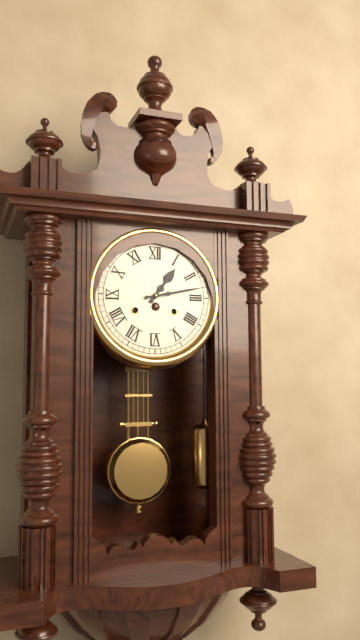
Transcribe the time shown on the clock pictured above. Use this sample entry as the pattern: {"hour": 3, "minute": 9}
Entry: {"hour": 1, "minute": 13}
